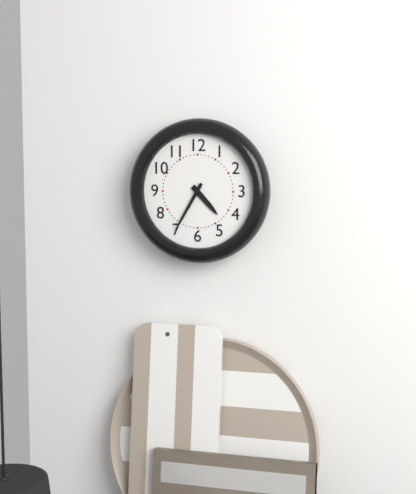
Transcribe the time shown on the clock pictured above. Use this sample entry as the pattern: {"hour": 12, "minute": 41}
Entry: {"hour": 4, "minute": 35}
